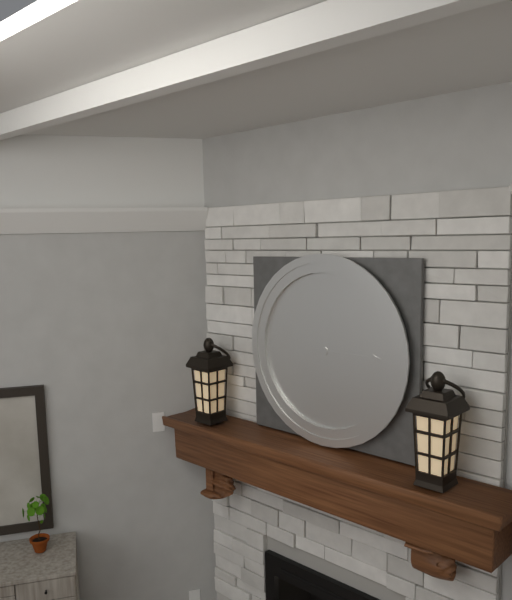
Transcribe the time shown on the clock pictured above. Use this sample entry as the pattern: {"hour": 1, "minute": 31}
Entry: {"hour": 12, "minute": 15}
